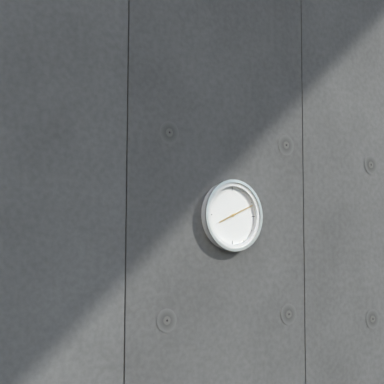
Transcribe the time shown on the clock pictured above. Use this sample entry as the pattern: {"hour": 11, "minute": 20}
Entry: {"hour": 8, "minute": 11}
